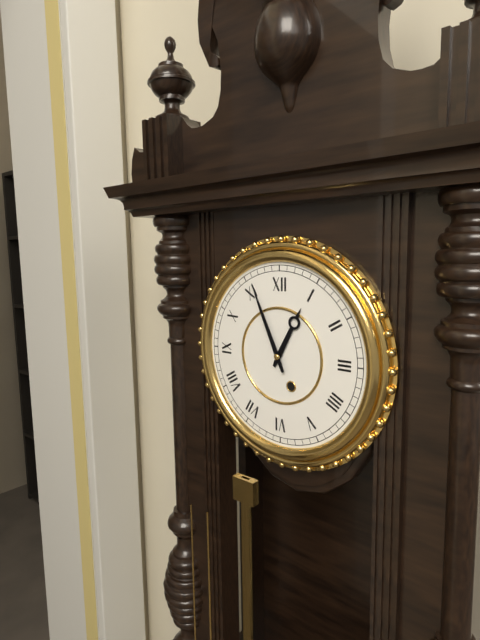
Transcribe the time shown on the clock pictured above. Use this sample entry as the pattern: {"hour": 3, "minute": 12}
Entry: {"hour": 12, "minute": 56}
